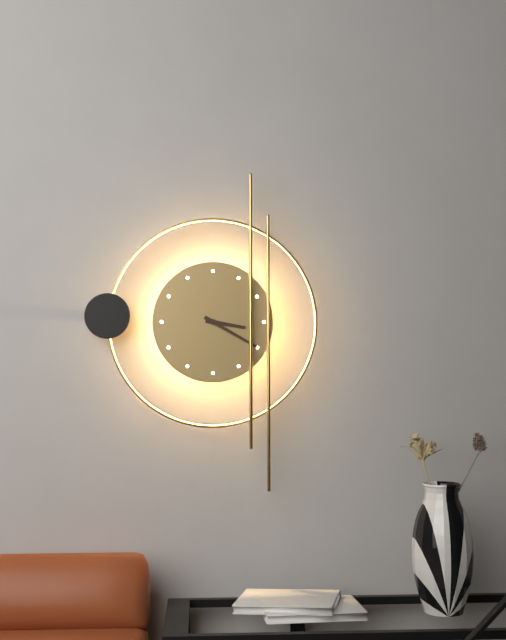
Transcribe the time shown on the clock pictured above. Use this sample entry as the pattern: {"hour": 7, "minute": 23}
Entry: {"hour": 3, "minute": 20}
